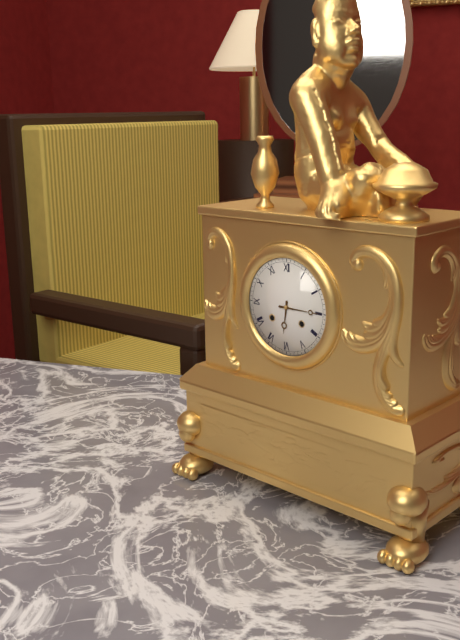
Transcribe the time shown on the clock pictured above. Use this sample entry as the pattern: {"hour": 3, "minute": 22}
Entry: {"hour": 6, "minute": 15}
